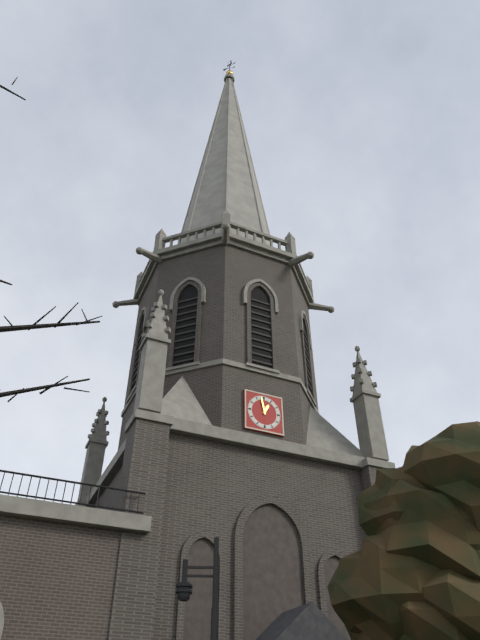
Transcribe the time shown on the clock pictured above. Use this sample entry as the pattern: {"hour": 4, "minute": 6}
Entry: {"hour": 12, "minute": 58}
